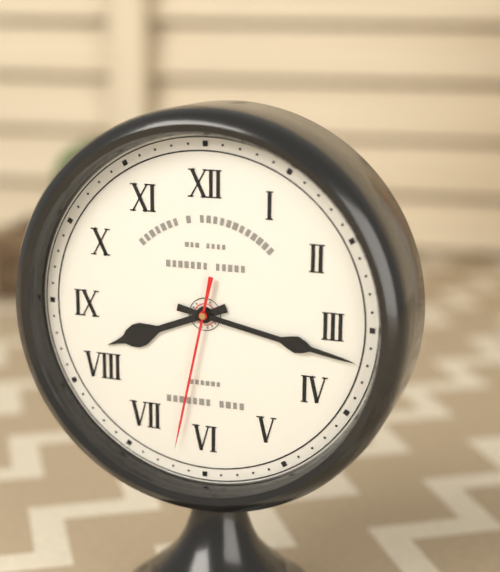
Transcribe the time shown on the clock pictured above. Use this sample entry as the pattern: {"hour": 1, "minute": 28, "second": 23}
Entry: {"hour": 8, "minute": 17, "second": 32}
